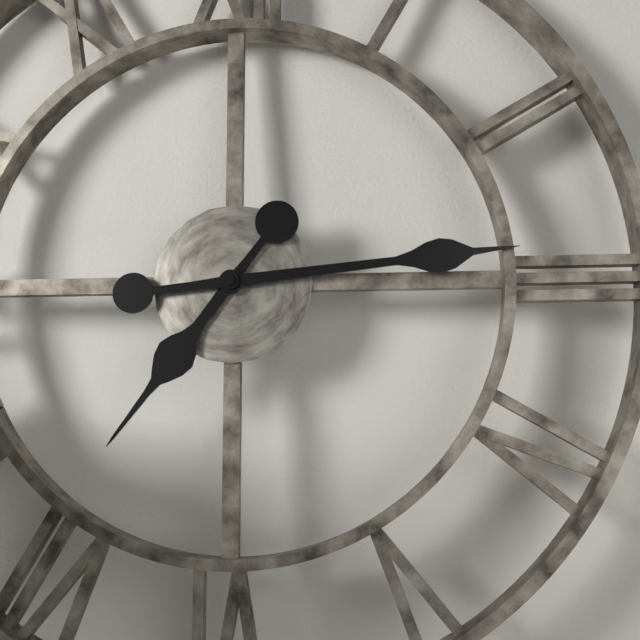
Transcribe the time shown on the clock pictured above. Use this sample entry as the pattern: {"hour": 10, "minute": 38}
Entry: {"hour": 7, "minute": 14}
